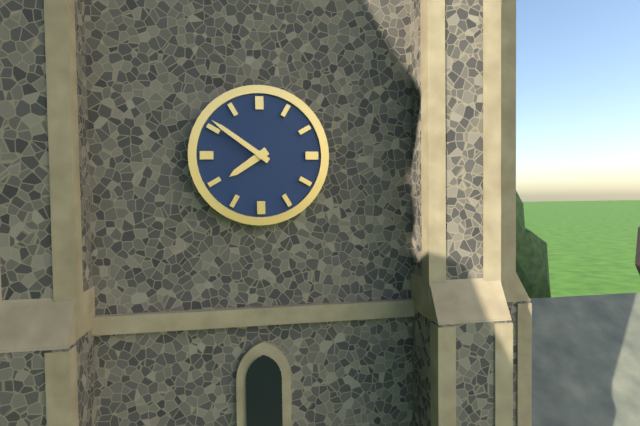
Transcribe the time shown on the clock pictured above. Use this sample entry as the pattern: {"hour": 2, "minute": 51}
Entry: {"hour": 7, "minute": 51}
